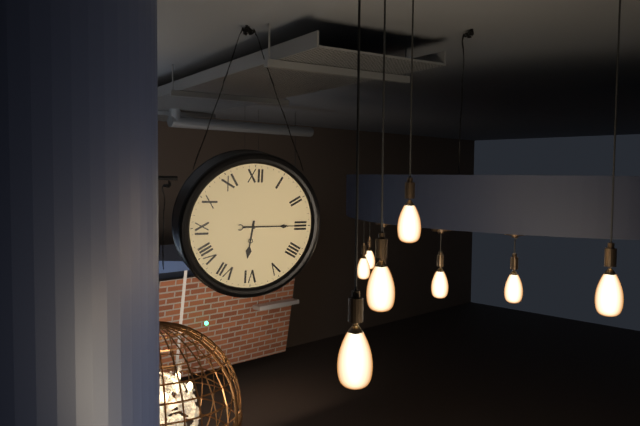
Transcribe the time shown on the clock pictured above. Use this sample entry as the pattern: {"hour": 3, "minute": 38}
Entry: {"hour": 6, "minute": 15}
